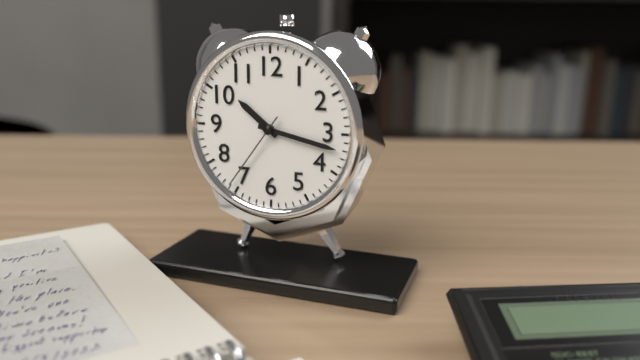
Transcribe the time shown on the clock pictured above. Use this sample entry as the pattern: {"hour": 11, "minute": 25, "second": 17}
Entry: {"hour": 10, "minute": 17, "second": 36}
